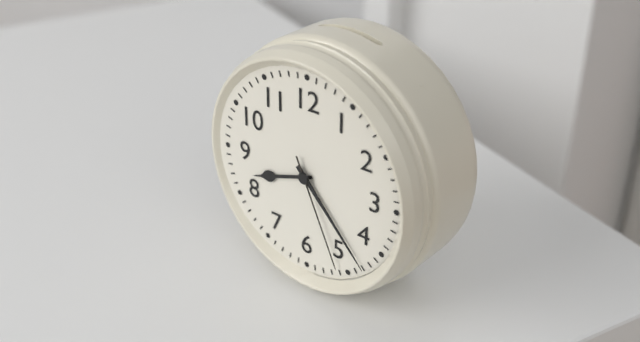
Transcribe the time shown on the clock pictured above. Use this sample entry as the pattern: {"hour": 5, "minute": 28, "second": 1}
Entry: {"hour": 8, "minute": 23, "second": 26}
